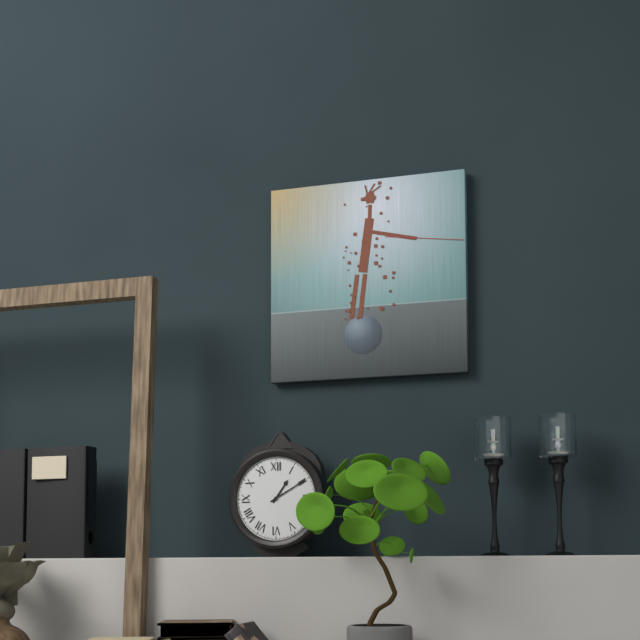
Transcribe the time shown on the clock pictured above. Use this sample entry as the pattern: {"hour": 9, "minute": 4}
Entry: {"hour": 1, "minute": 10}
